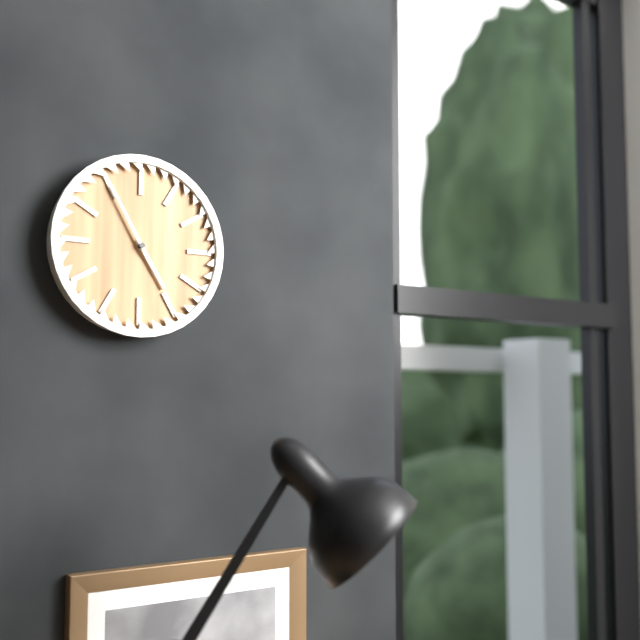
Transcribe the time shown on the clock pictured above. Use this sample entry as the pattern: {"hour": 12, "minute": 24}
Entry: {"hour": 4, "minute": 55}
